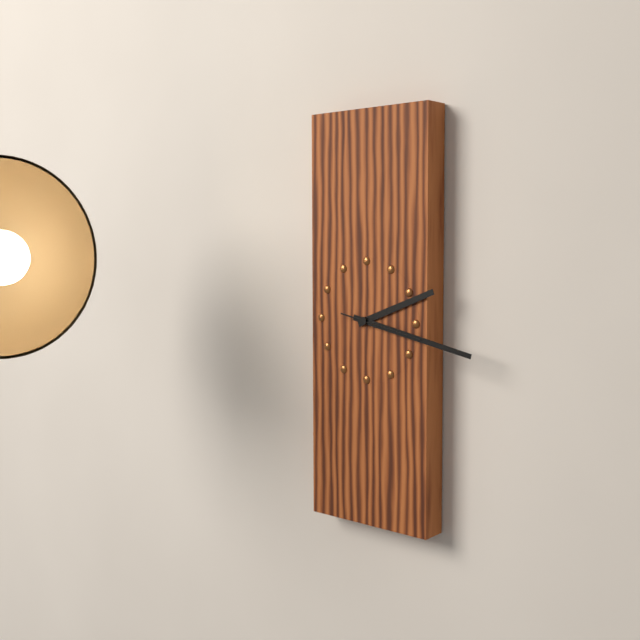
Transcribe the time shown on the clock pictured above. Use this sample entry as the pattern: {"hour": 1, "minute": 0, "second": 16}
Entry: {"hour": 2, "minute": 17, "second": 17}
